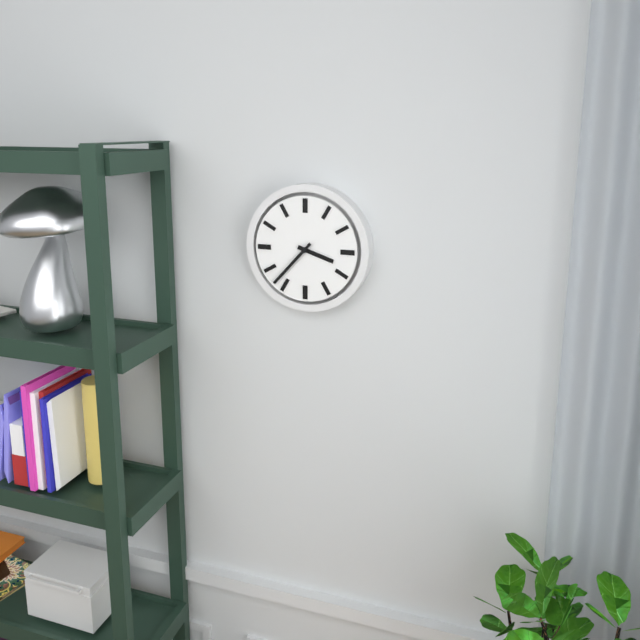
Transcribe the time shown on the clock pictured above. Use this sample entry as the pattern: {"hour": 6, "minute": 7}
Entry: {"hour": 3, "minute": 37}
